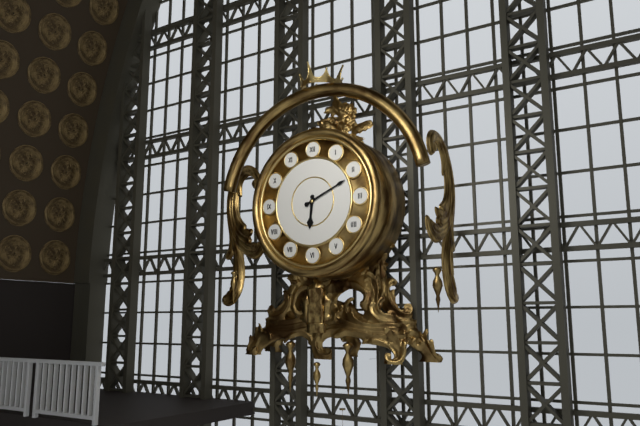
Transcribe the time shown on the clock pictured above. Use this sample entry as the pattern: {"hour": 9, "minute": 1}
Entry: {"hour": 6, "minute": 11}
